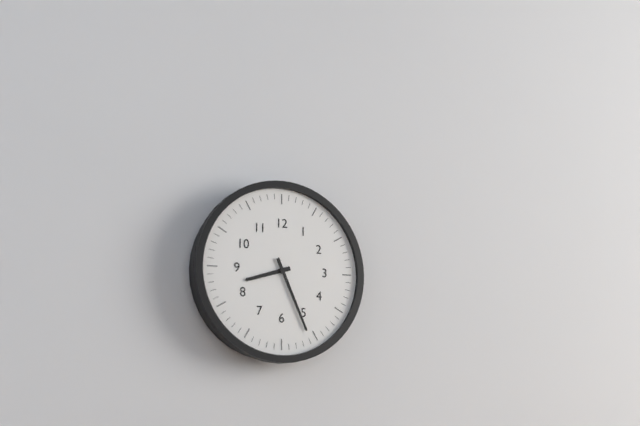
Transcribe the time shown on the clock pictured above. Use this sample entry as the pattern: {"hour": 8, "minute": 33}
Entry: {"hour": 8, "minute": 26}
